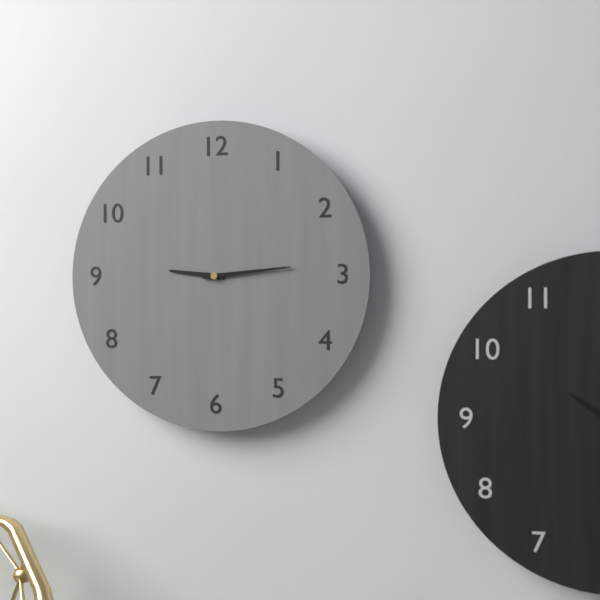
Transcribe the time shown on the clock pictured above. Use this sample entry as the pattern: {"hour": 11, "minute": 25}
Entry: {"hour": 9, "minute": 14}
